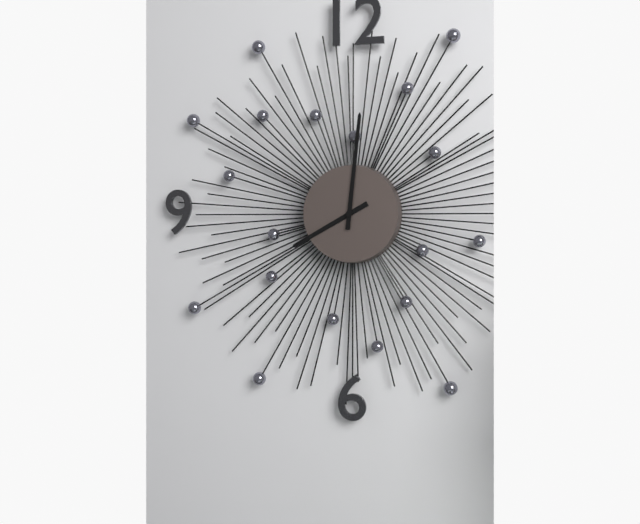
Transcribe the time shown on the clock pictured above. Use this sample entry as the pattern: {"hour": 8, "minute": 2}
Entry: {"hour": 8, "minute": 1}
